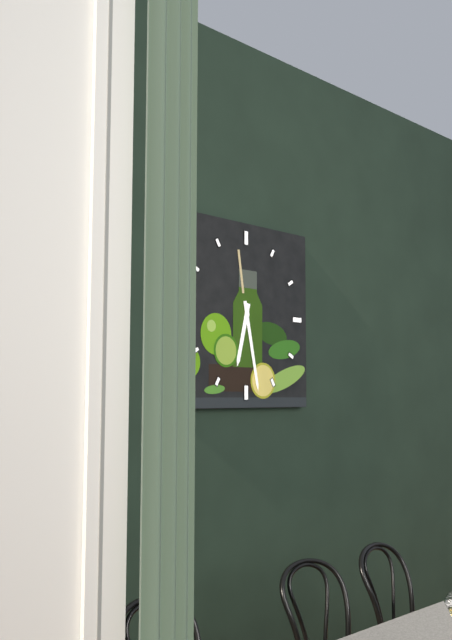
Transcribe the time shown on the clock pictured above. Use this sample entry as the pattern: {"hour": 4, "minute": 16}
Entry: {"hour": 6, "minute": 28}
